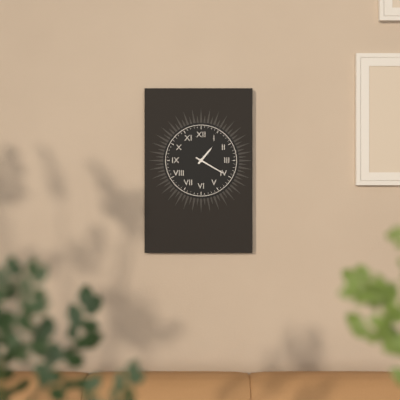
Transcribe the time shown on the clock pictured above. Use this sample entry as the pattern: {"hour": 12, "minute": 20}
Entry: {"hour": 1, "minute": 20}
